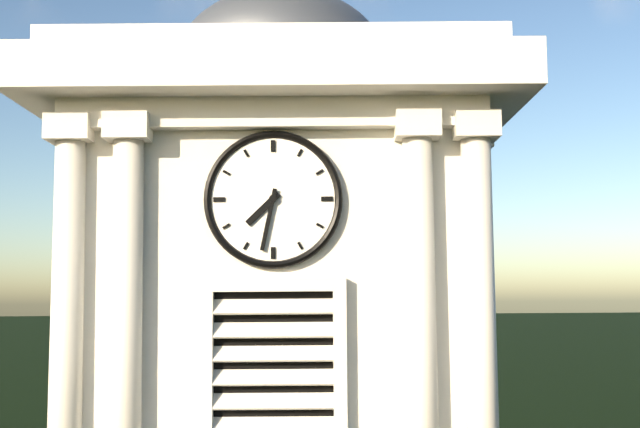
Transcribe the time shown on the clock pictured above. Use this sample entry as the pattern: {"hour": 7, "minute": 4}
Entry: {"hour": 7, "minute": 32}
